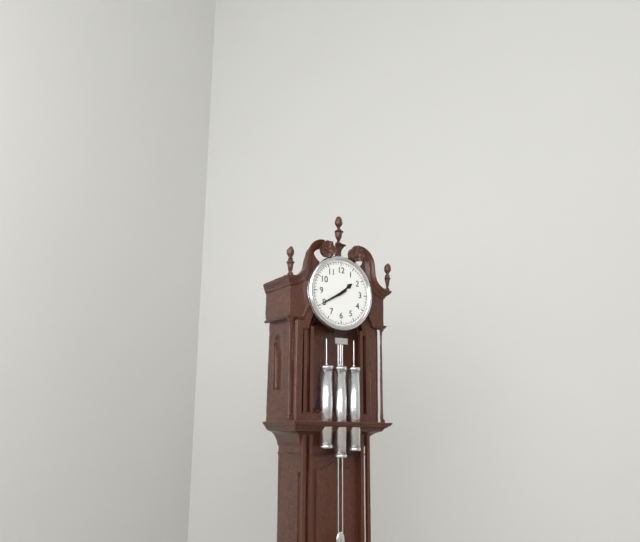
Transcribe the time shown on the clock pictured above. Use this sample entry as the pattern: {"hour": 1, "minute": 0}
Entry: {"hour": 1, "minute": 40}
